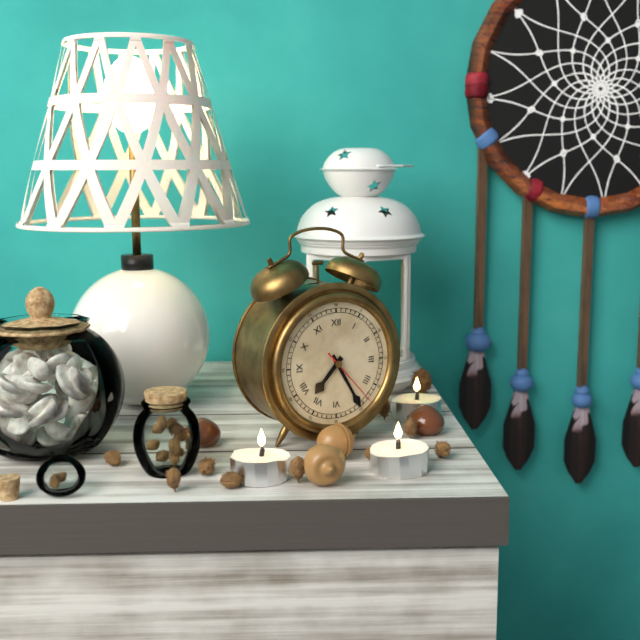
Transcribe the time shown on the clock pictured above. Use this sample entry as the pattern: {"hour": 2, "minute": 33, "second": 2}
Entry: {"hour": 7, "minute": 25, "second": 23}
